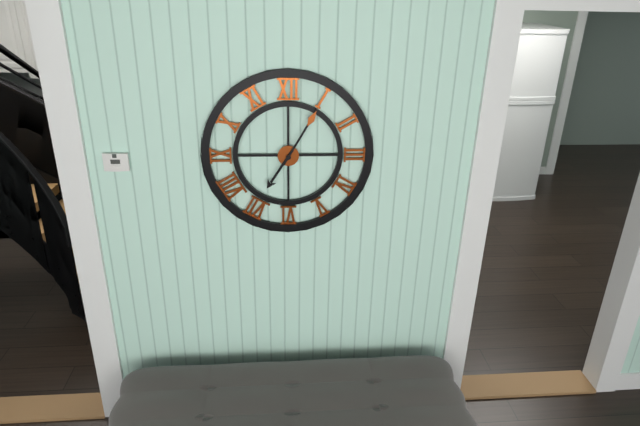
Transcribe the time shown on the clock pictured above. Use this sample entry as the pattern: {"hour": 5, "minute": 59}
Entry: {"hour": 7, "minute": 5}
